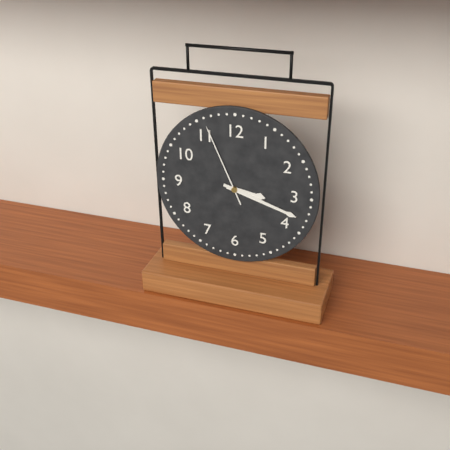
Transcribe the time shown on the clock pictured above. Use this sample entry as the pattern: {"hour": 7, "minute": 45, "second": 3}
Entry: {"hour": 3, "minute": 18, "second": 56}
